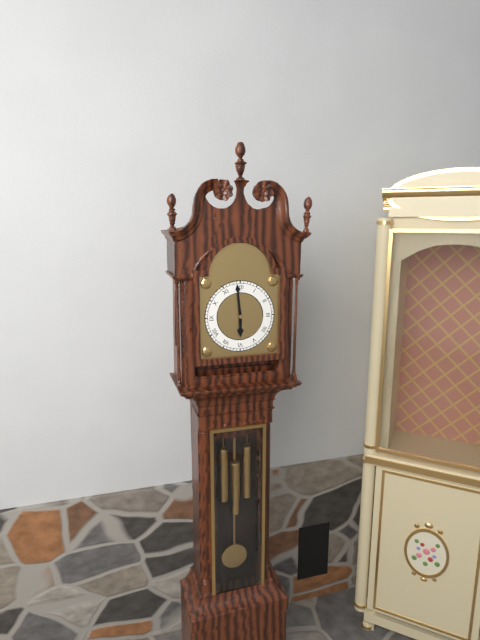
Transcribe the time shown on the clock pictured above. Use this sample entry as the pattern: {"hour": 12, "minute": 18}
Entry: {"hour": 5, "minute": 59}
